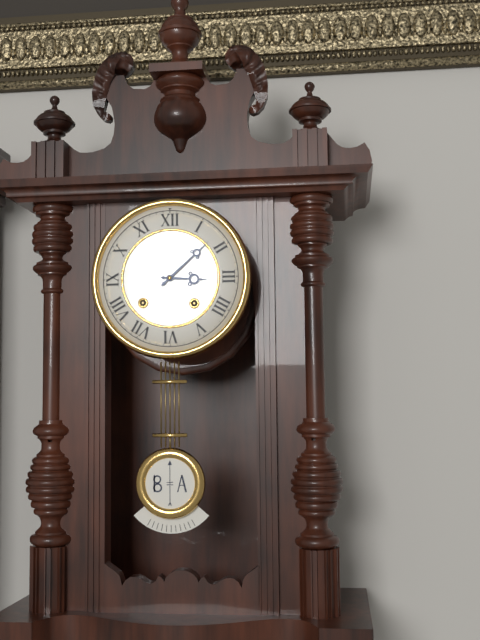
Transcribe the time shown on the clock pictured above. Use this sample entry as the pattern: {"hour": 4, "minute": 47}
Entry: {"hour": 3, "minute": 8}
